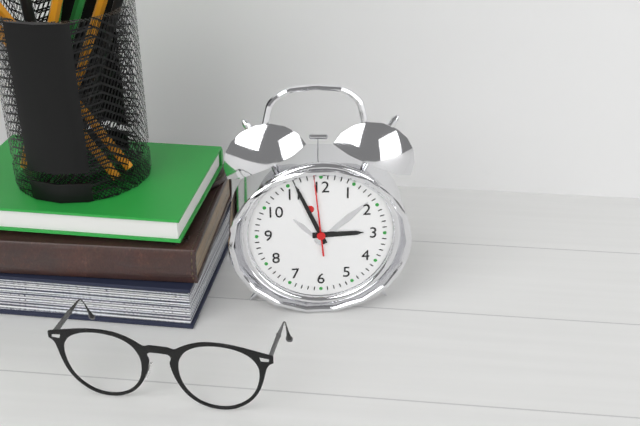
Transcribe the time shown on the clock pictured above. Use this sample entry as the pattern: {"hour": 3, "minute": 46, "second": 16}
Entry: {"hour": 2, "minute": 56, "second": 59}
